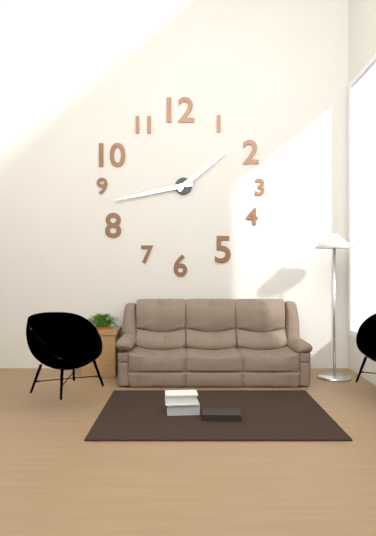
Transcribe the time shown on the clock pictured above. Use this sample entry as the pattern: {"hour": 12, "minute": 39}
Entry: {"hour": 1, "minute": 43}
